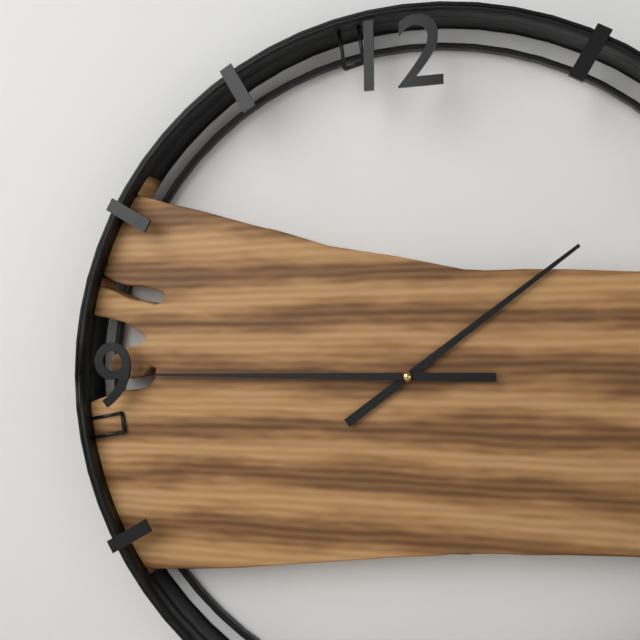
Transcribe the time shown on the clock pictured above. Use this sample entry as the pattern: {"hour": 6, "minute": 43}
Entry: {"hour": 1, "minute": 45}
